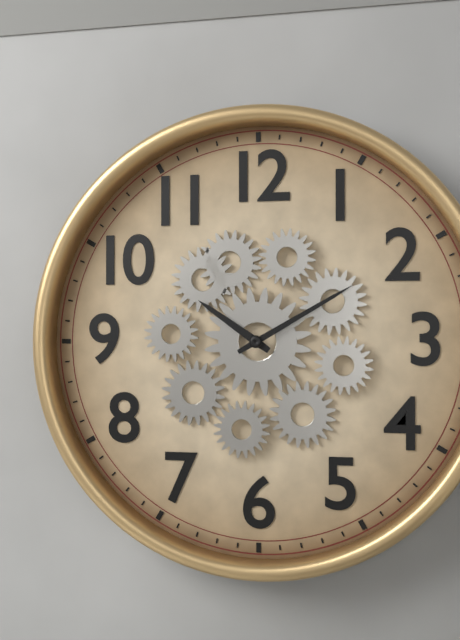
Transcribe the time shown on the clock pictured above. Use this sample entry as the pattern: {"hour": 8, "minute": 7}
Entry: {"hour": 10, "minute": 10}
